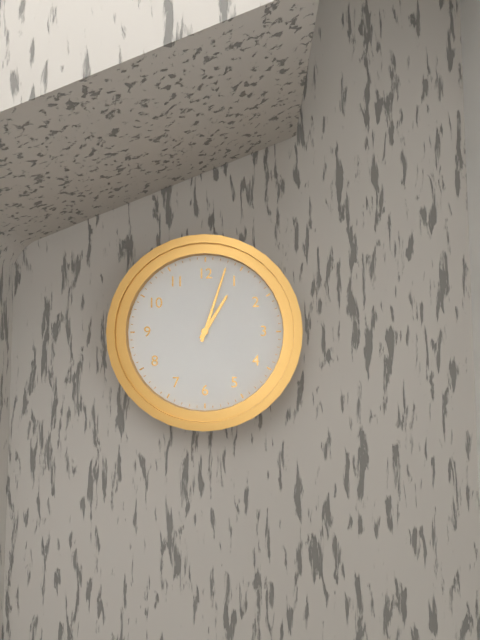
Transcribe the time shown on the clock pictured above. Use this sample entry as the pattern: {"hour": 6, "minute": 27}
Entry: {"hour": 1, "minute": 3}
